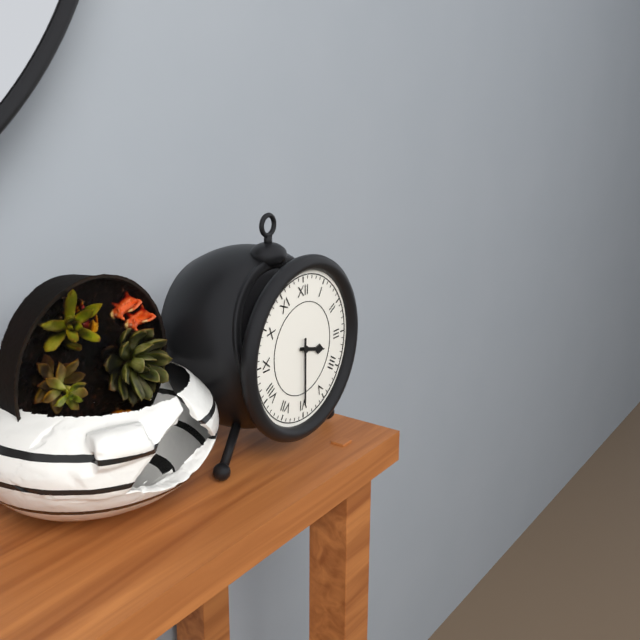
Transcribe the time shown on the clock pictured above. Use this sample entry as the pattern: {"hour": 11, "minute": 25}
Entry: {"hour": 3, "minute": 30}
